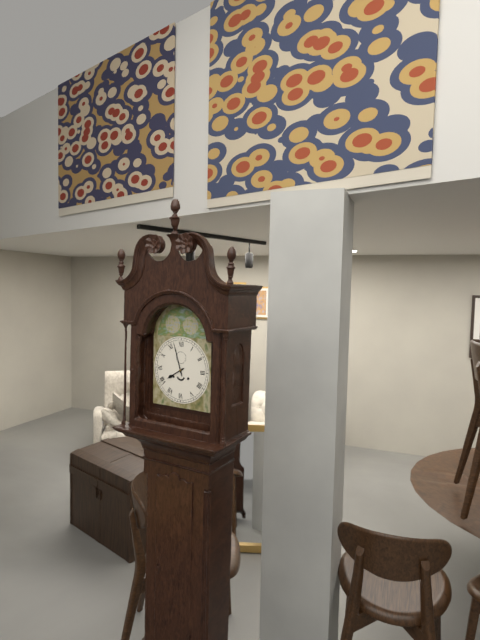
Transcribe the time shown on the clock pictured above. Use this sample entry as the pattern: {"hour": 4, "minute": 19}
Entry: {"hour": 7, "minute": 57}
